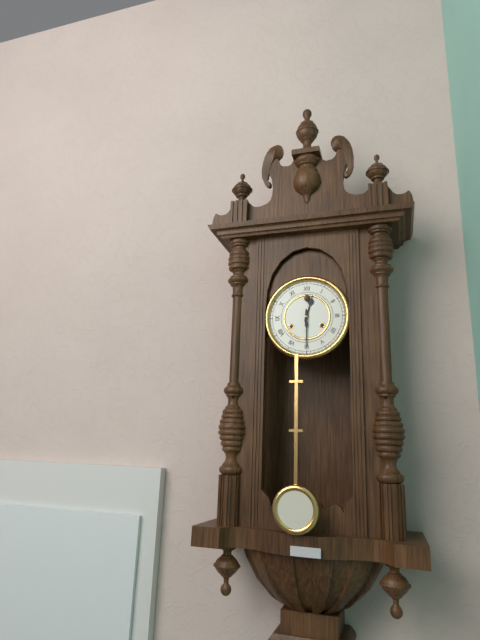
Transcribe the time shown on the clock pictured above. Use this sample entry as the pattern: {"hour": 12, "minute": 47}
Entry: {"hour": 12, "minute": 30}
